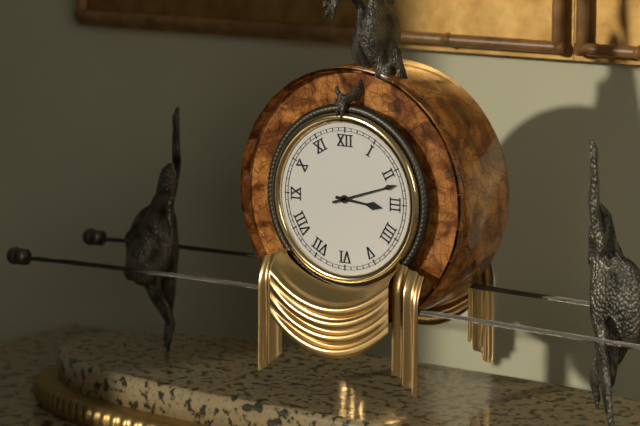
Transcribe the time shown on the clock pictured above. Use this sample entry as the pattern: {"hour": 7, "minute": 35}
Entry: {"hour": 3, "minute": 12}
